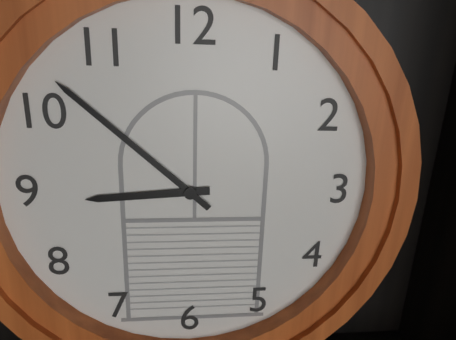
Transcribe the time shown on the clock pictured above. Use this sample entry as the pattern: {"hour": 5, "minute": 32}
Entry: {"hour": 8, "minute": 52}
